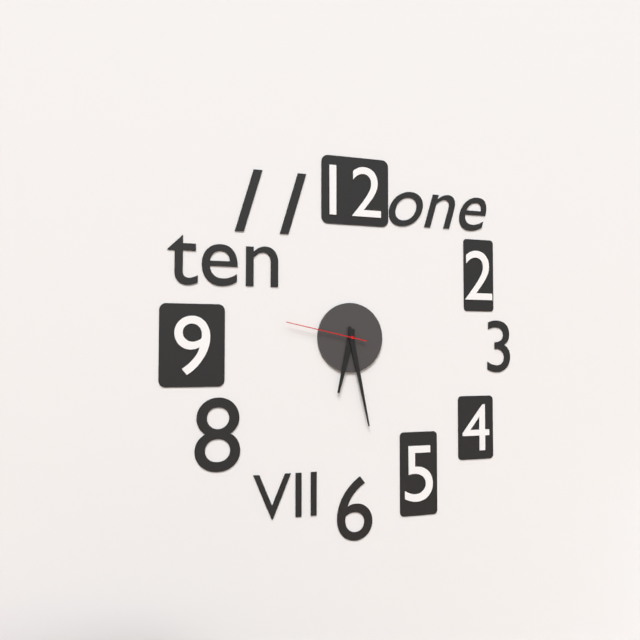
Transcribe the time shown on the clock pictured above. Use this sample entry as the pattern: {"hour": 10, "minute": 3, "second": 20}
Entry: {"hour": 6, "minute": 28, "second": 47}
